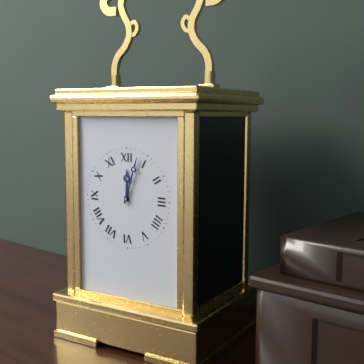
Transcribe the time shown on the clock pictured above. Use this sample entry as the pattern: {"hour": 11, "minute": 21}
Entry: {"hour": 12, "minute": 3}
